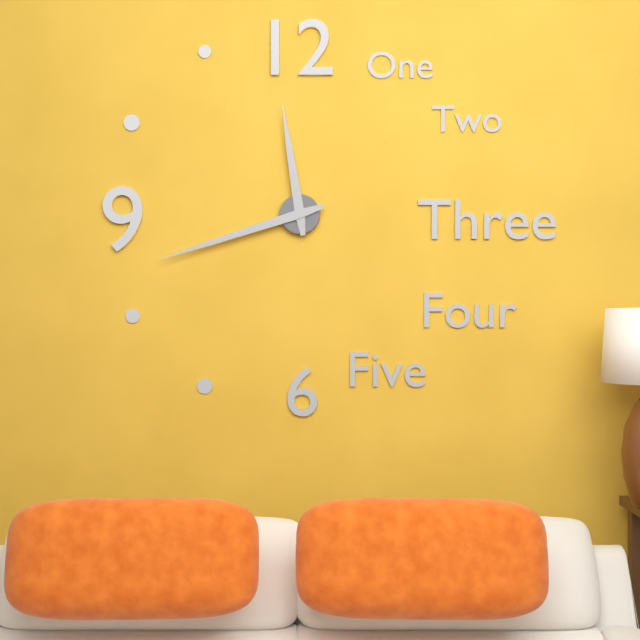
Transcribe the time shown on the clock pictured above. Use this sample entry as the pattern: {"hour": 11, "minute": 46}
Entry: {"hour": 11, "minute": 42}
